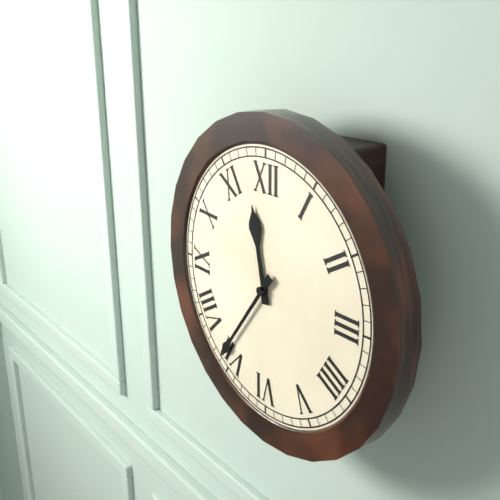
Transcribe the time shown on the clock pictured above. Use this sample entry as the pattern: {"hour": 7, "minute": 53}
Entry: {"hour": 11, "minute": 36}
